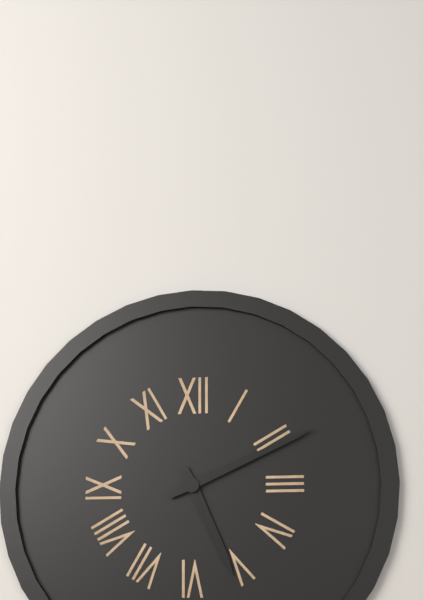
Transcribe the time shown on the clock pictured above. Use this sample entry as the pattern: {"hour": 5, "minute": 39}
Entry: {"hour": 5, "minute": 11}
